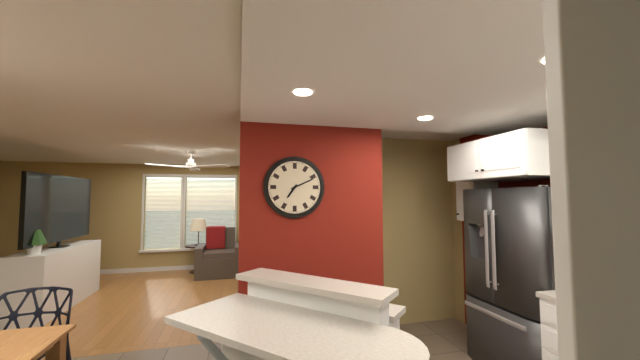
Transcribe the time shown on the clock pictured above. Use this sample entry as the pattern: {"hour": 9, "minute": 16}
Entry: {"hour": 7, "minute": 11}
